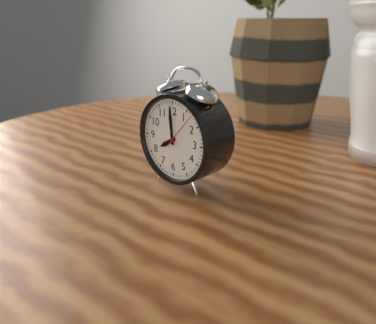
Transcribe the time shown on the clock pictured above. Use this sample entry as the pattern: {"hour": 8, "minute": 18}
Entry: {"hour": 7, "minute": 59}
